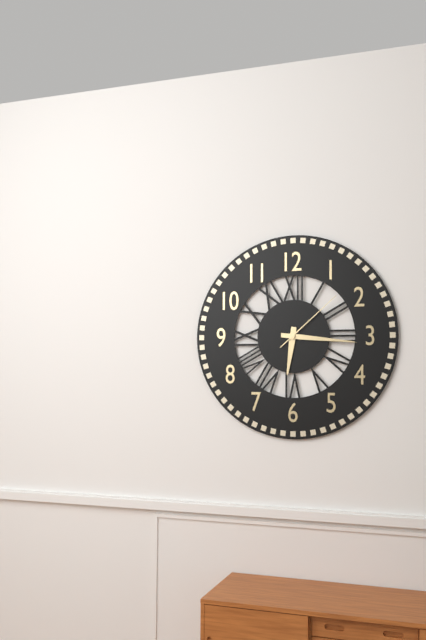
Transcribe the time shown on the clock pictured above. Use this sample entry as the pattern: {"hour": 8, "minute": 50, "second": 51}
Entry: {"hour": 6, "minute": 16, "second": 8}
